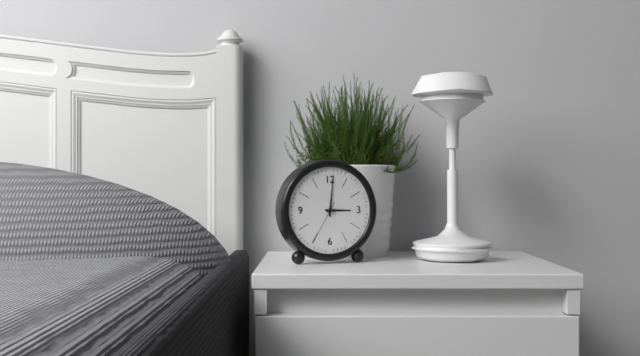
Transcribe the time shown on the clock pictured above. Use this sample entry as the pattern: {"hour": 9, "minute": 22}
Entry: {"hour": 3, "minute": 1}
